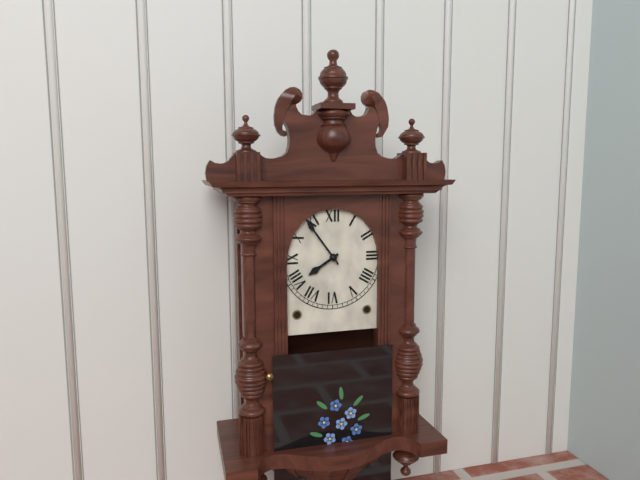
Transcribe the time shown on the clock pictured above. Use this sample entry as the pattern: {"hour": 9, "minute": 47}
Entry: {"hour": 7, "minute": 54}
